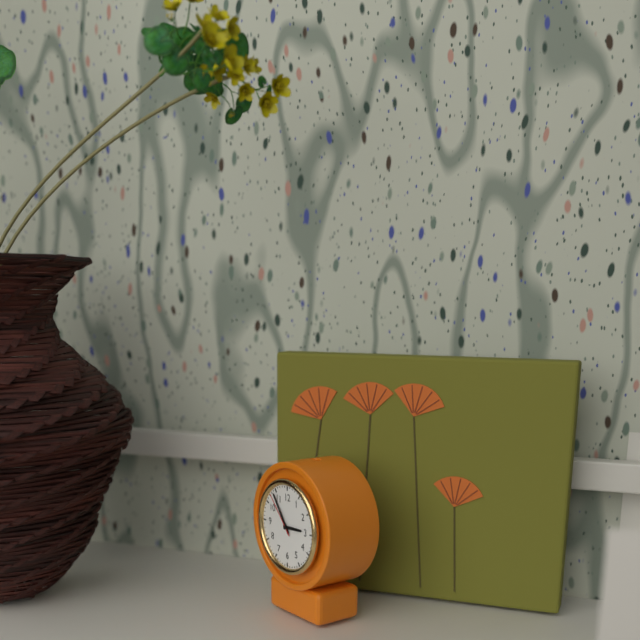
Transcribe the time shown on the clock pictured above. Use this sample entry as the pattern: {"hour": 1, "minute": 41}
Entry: {"hour": 2, "minute": 54}
